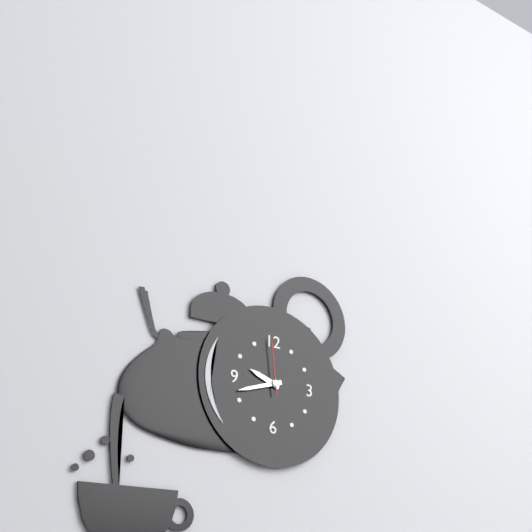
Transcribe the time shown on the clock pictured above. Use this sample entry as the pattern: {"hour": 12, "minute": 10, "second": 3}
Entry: {"hour": 9, "minute": 42, "second": 59}
